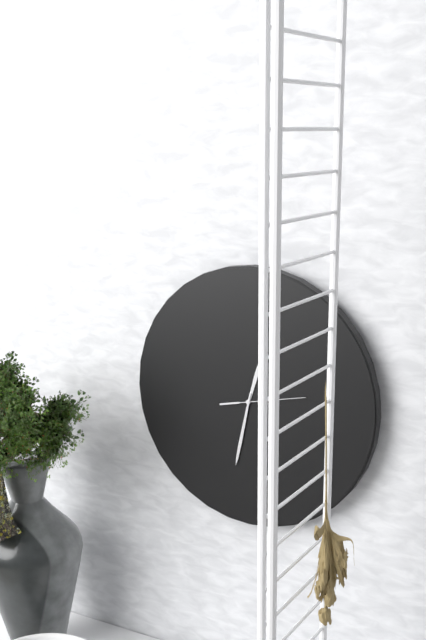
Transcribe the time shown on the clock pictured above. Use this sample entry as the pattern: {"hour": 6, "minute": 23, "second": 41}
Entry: {"hour": 12, "minute": 32, "second": 13}
